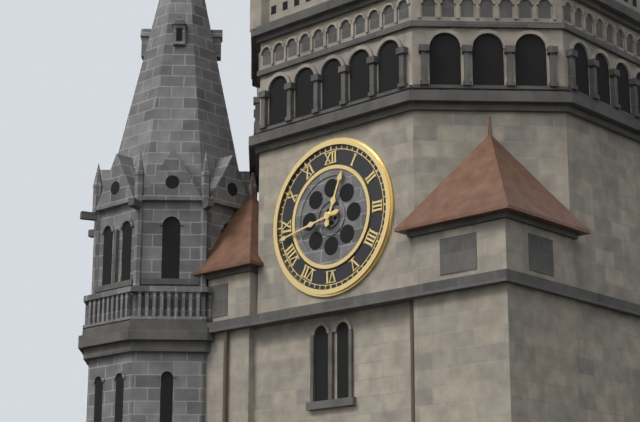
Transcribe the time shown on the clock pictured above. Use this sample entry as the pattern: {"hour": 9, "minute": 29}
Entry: {"hour": 12, "minute": 43}
